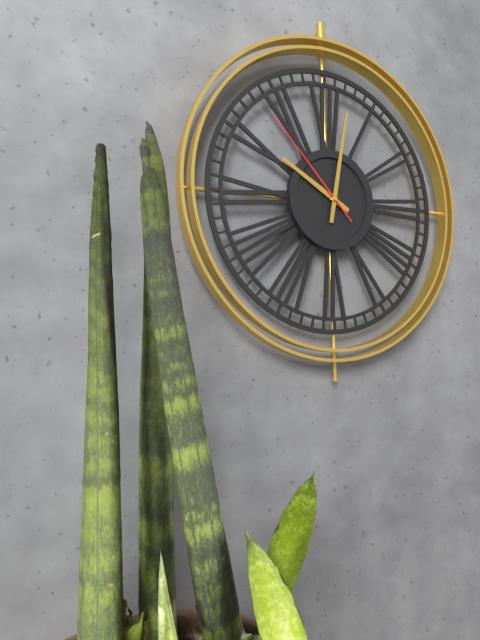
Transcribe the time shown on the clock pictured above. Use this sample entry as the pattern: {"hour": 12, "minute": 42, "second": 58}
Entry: {"hour": 10, "minute": 2, "second": 53}
